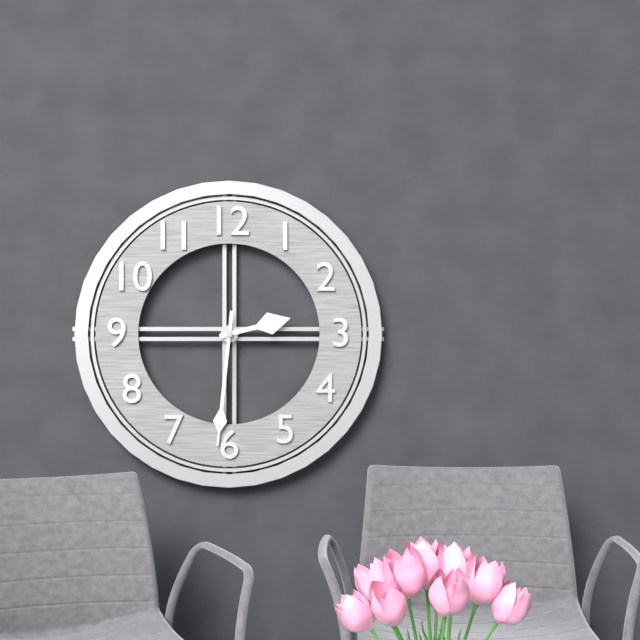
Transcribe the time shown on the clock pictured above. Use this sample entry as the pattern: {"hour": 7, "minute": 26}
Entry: {"hour": 2, "minute": 31}
